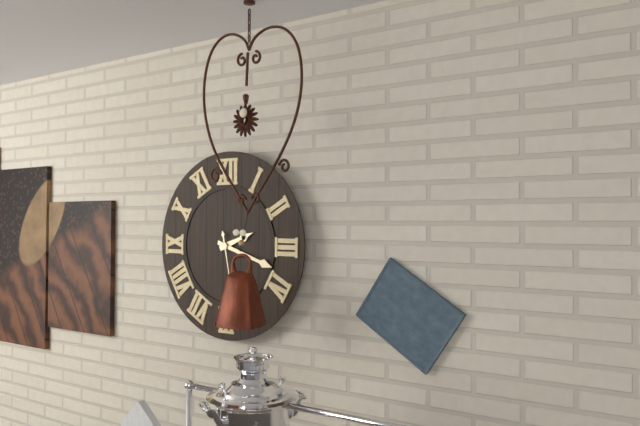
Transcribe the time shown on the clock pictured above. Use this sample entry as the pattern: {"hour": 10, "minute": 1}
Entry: {"hour": 2, "minute": 18}
